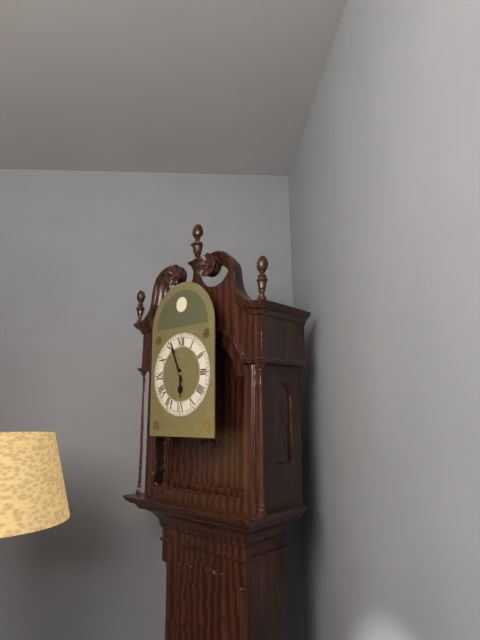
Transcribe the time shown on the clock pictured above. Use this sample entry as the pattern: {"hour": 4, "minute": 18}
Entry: {"hour": 5, "minute": 56}
